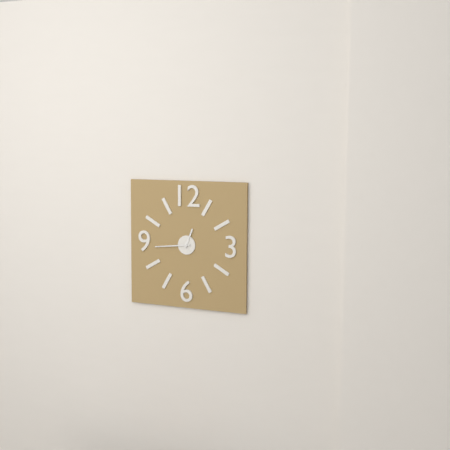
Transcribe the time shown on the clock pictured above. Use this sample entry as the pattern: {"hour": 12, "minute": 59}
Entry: {"hour": 12, "minute": 44}
